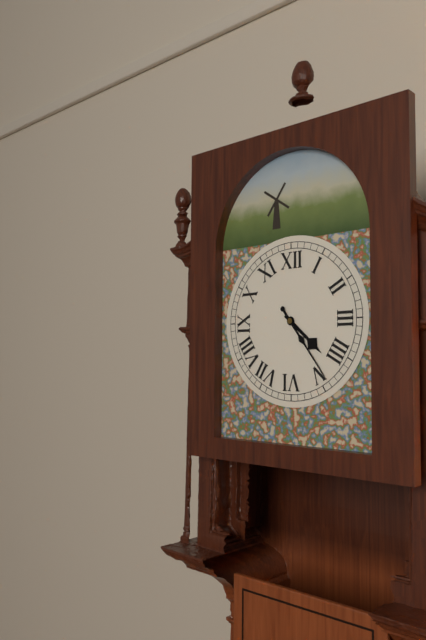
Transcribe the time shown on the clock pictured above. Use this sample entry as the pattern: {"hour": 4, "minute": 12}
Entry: {"hour": 4, "minute": 24}
